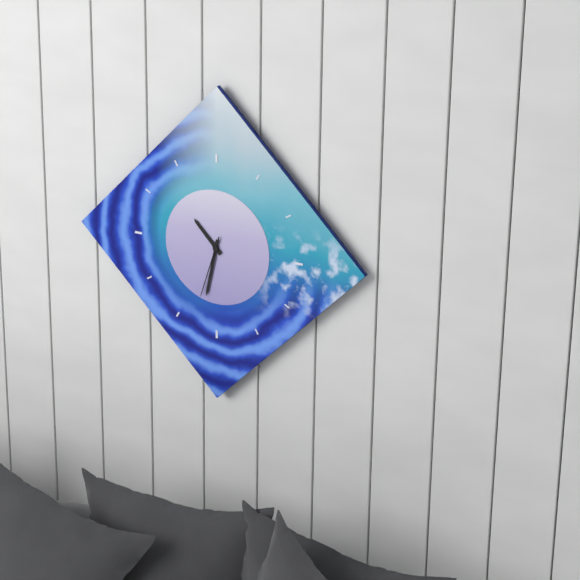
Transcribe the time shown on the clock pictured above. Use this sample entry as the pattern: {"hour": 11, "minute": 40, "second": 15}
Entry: {"hour": 10, "minute": 32, "second": 33}
